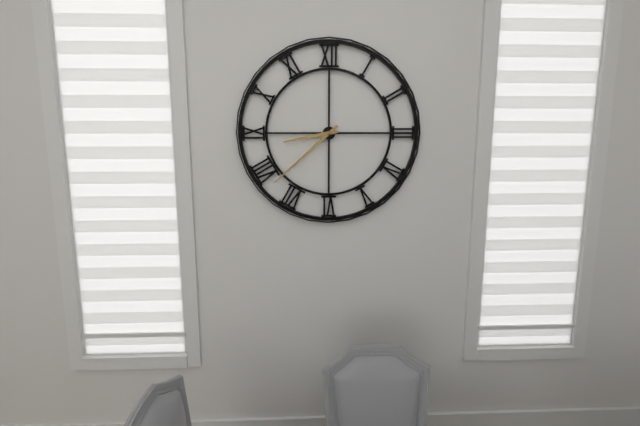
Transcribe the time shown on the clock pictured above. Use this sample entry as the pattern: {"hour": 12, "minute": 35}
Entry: {"hour": 8, "minute": 38}
